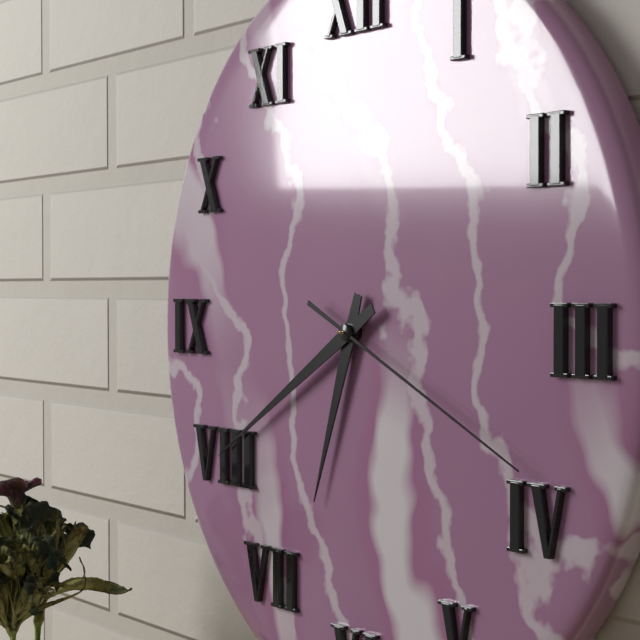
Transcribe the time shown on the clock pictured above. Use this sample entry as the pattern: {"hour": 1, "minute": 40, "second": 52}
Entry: {"hour": 6, "minute": 40, "second": 19}
